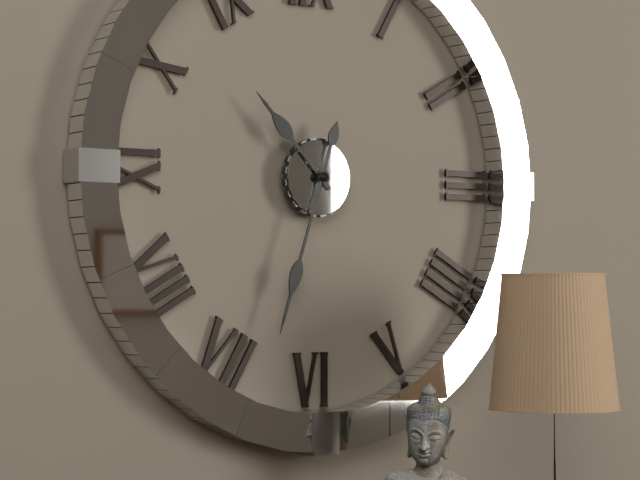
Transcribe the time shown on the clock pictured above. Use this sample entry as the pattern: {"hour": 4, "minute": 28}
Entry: {"hour": 10, "minute": 33}
